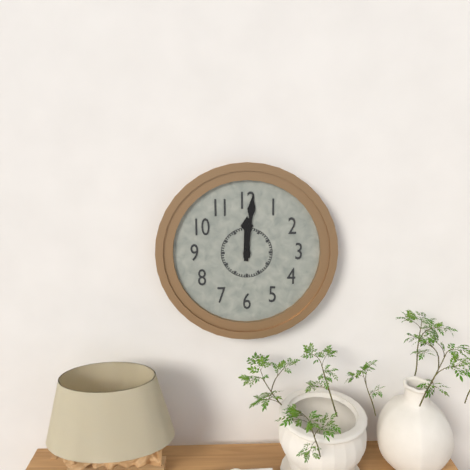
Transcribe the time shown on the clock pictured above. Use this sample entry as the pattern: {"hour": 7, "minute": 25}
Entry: {"hour": 12, "minute": 1}
